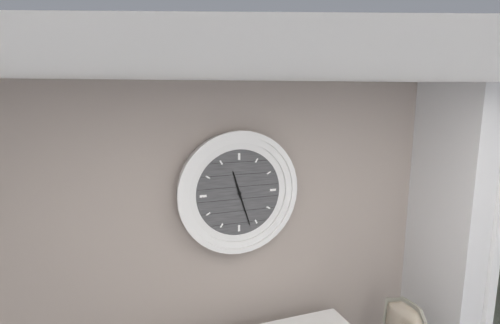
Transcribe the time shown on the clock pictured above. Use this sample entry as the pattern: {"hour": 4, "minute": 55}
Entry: {"hour": 11, "minute": 27}
